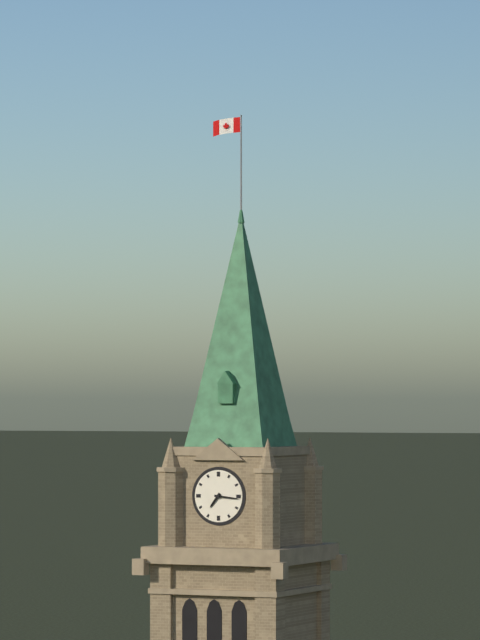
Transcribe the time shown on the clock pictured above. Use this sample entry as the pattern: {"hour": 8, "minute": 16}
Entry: {"hour": 7, "minute": 16}
